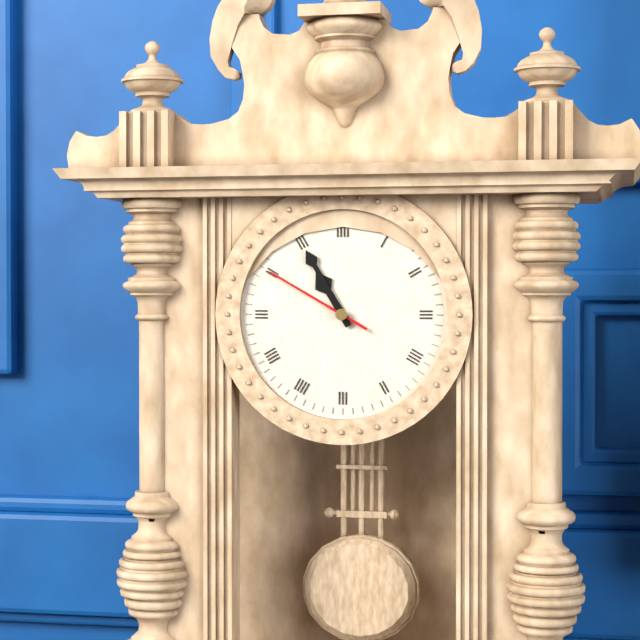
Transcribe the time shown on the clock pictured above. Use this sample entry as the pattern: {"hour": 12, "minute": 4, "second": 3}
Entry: {"hour": 10, "minute": 55, "second": 50}
